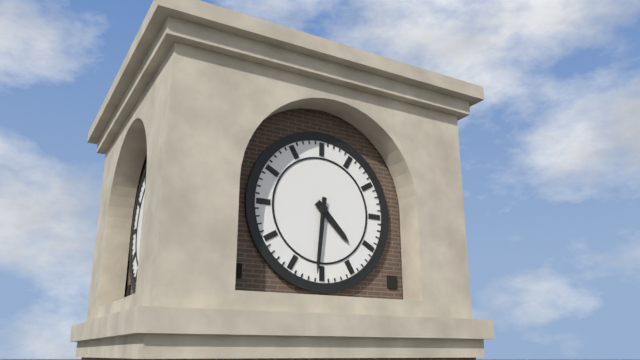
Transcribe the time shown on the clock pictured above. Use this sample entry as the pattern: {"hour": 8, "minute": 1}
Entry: {"hour": 4, "minute": 31}
